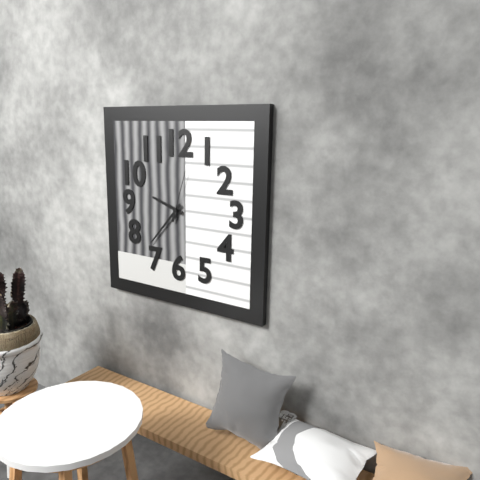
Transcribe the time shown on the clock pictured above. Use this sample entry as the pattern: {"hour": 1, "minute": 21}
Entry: {"hour": 9, "minute": 37}
